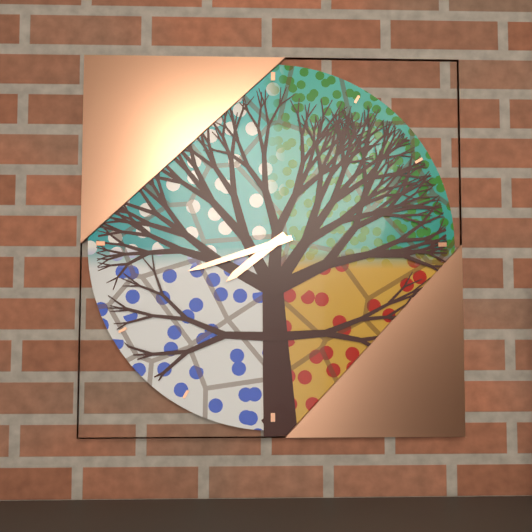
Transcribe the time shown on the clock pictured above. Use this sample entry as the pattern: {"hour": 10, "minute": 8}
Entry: {"hour": 7, "minute": 42}
